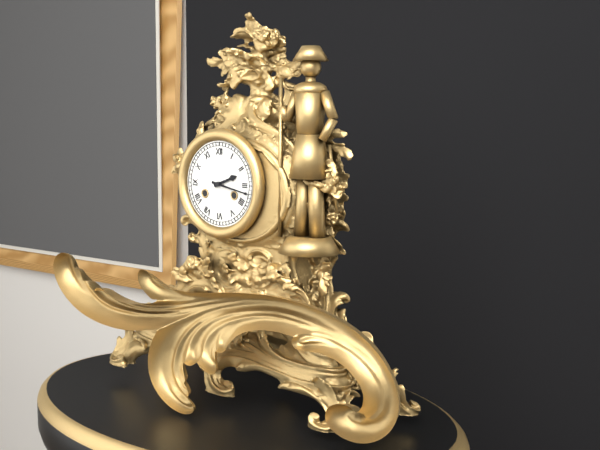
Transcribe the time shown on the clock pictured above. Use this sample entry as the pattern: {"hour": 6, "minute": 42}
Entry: {"hour": 2, "minute": 17}
